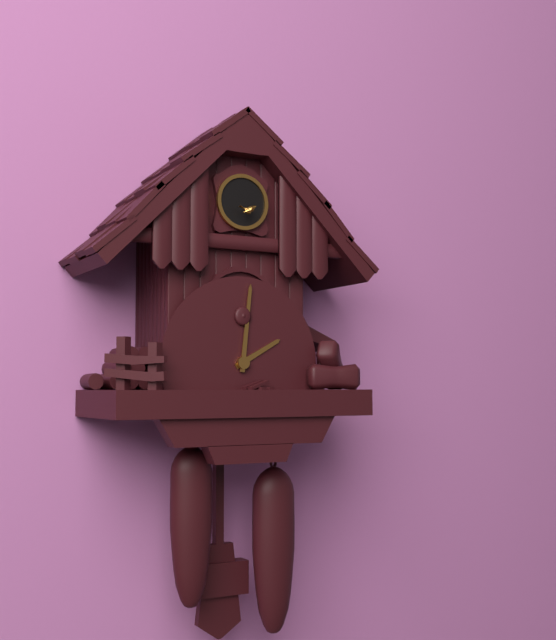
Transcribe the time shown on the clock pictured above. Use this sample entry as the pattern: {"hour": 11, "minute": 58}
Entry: {"hour": 2, "minute": 1}
